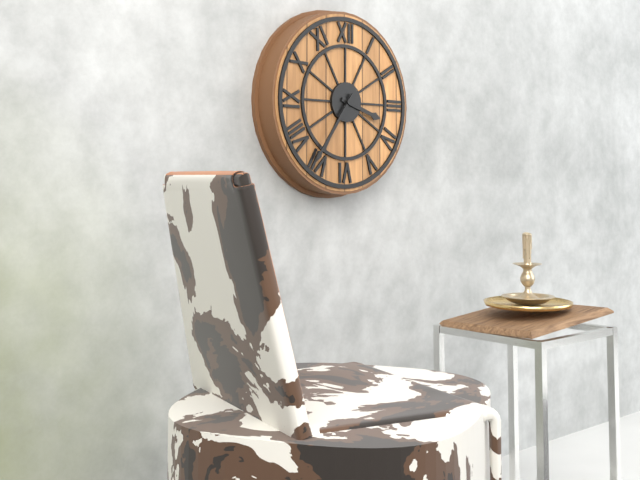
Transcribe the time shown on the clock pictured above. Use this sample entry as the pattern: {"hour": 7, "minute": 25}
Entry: {"hour": 3, "minute": 36}
